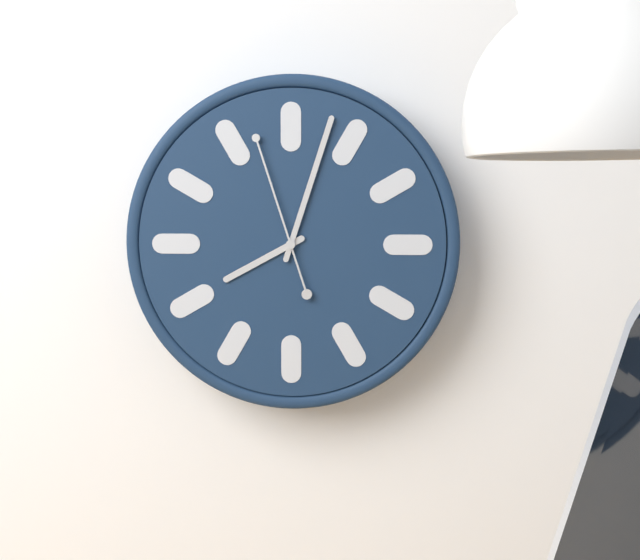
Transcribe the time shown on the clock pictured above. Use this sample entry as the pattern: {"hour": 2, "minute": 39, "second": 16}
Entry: {"hour": 8, "minute": 3, "second": 57}
